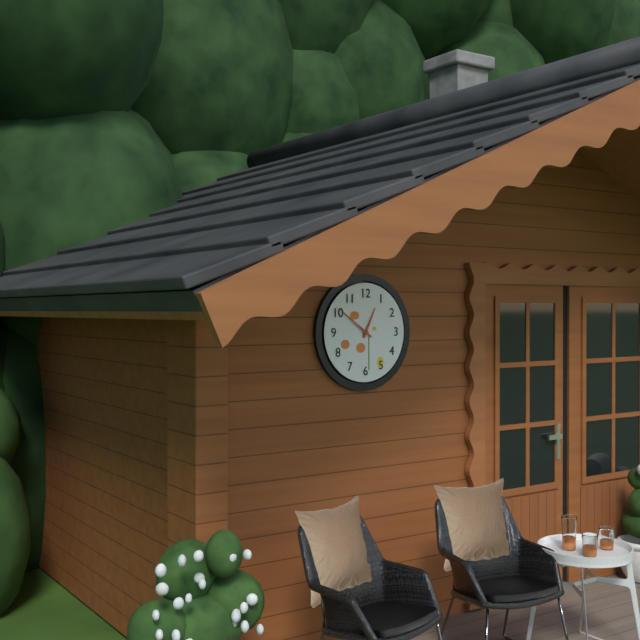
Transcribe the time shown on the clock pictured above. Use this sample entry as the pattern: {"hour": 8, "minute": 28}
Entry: {"hour": 12, "minute": 51}
